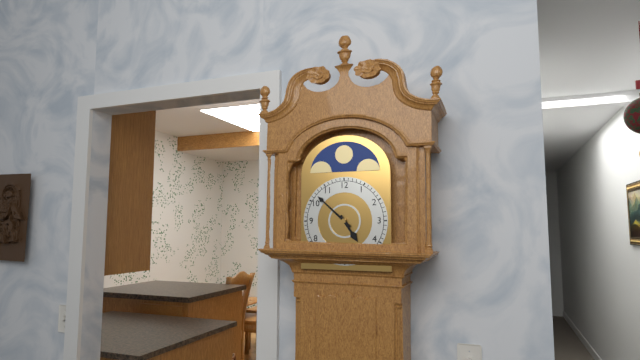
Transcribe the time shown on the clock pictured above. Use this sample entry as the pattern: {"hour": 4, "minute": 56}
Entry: {"hour": 4, "minute": 52}
